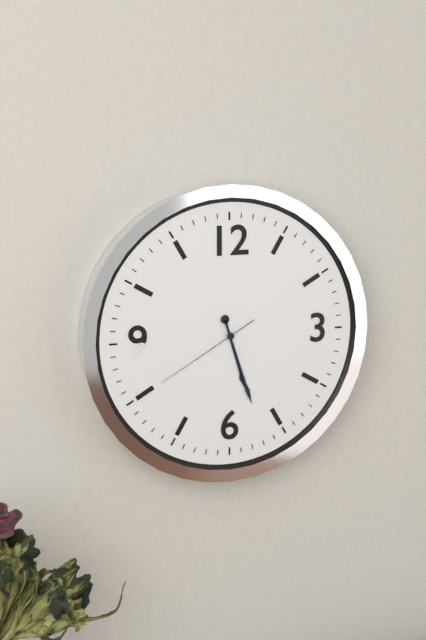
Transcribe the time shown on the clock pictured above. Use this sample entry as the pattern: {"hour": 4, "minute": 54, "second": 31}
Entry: {"hour": 5, "minute": 27, "second": 40}
